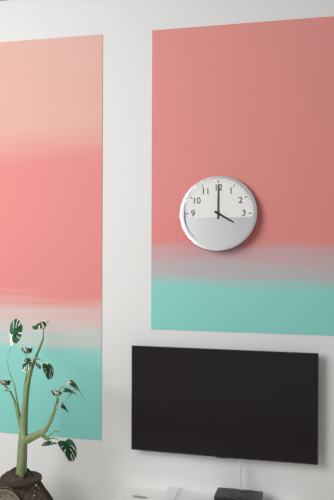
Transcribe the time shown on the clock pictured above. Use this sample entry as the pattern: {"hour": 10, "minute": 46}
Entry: {"hour": 4, "minute": 0}
